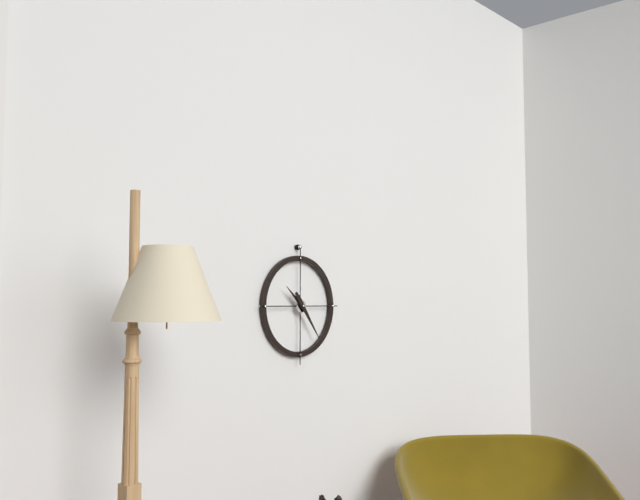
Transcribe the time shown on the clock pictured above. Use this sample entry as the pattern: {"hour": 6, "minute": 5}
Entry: {"hour": 10, "minute": 24}
